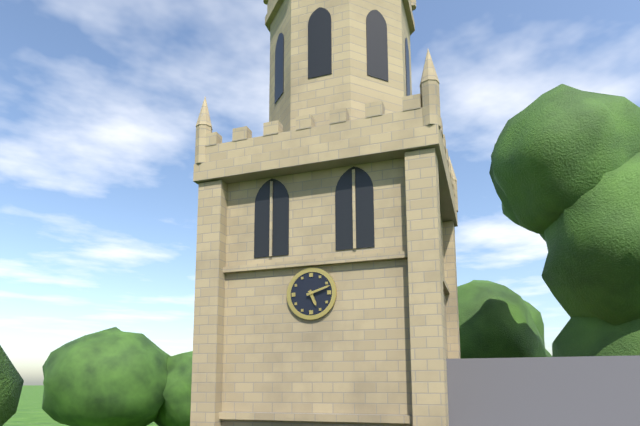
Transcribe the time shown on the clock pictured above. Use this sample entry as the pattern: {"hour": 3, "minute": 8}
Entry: {"hour": 5, "minute": 12}
